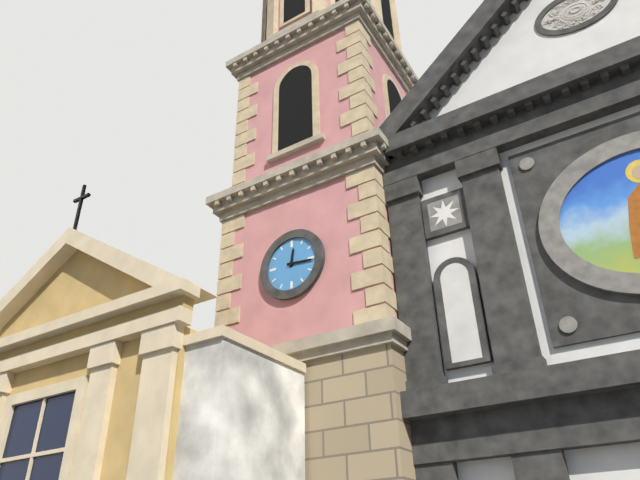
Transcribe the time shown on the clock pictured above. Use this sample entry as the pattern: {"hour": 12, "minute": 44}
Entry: {"hour": 12, "minute": 16}
